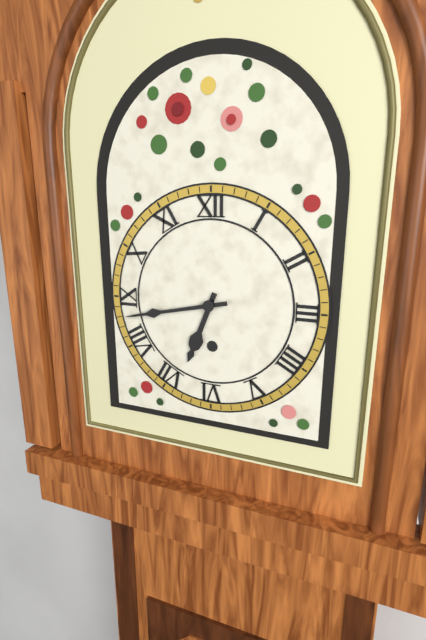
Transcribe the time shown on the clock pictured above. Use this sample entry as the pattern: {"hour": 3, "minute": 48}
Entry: {"hour": 6, "minute": 43}
